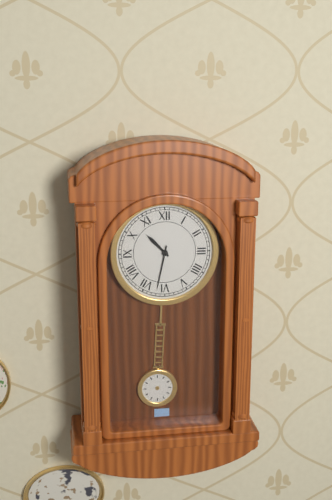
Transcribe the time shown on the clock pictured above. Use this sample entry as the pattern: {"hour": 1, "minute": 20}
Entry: {"hour": 10, "minute": 32}
